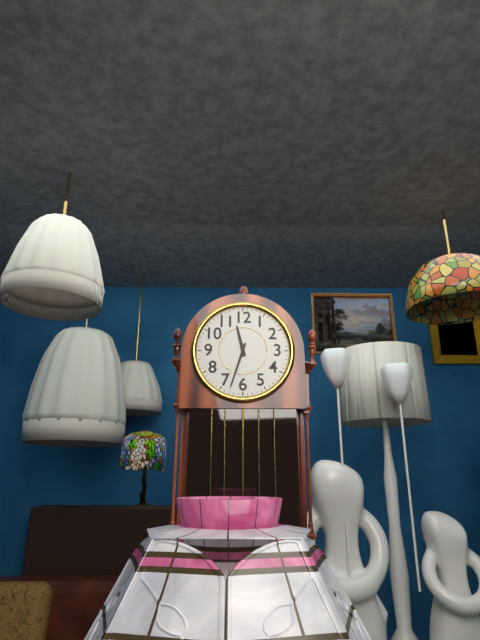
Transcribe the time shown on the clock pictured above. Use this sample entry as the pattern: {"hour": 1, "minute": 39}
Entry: {"hour": 11, "minute": 33}
